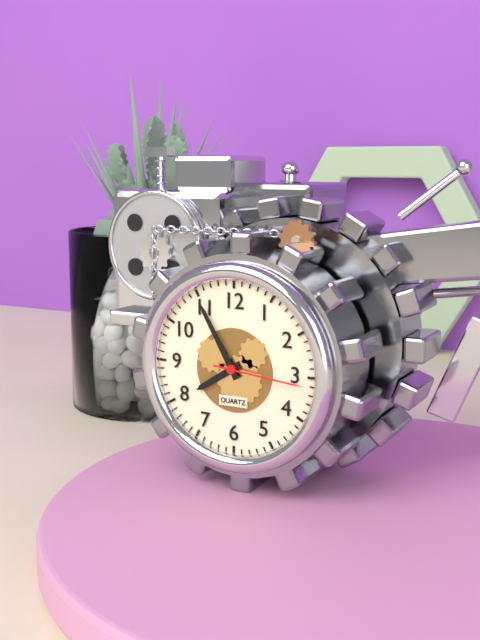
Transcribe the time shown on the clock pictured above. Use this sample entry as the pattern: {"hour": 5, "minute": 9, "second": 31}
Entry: {"hour": 7, "minute": 55, "second": 16}
